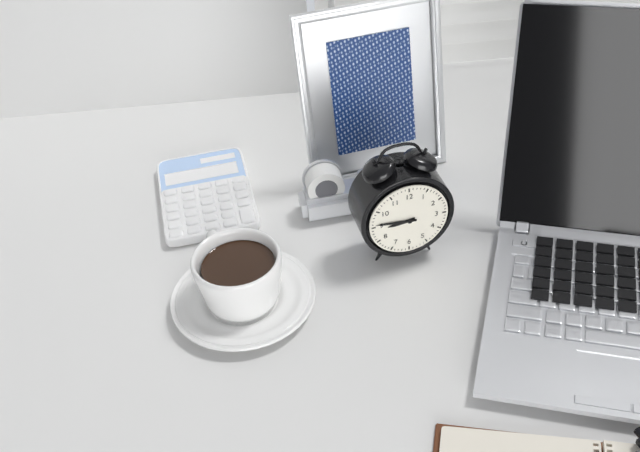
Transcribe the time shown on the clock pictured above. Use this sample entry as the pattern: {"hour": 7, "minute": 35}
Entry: {"hour": 8, "minute": 46}
